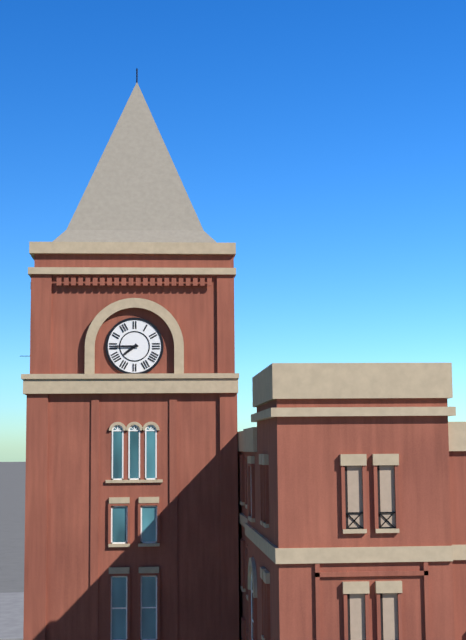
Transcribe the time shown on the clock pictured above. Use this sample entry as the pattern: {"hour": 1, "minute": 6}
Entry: {"hour": 7, "minute": 45}
